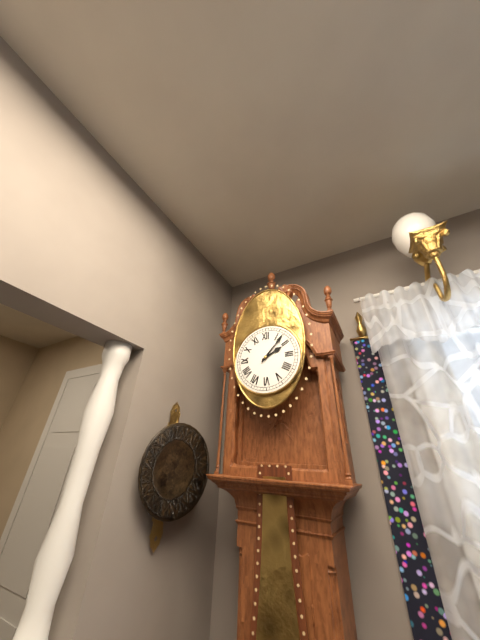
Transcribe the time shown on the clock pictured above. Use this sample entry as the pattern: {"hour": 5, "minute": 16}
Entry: {"hour": 2, "minute": 7}
